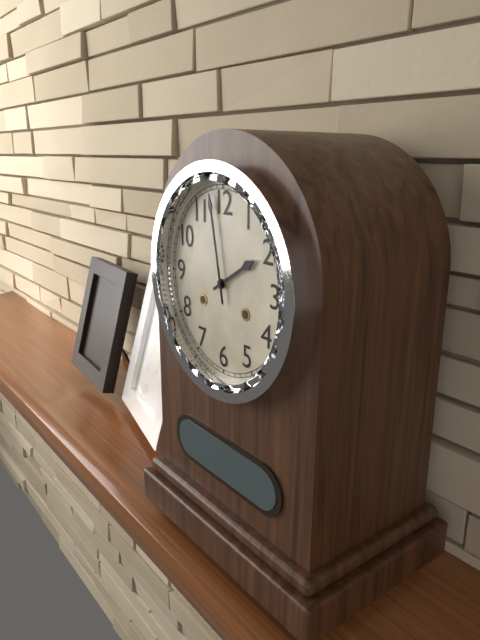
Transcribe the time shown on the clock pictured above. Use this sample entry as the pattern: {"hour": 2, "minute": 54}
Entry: {"hour": 1, "minute": 58}
